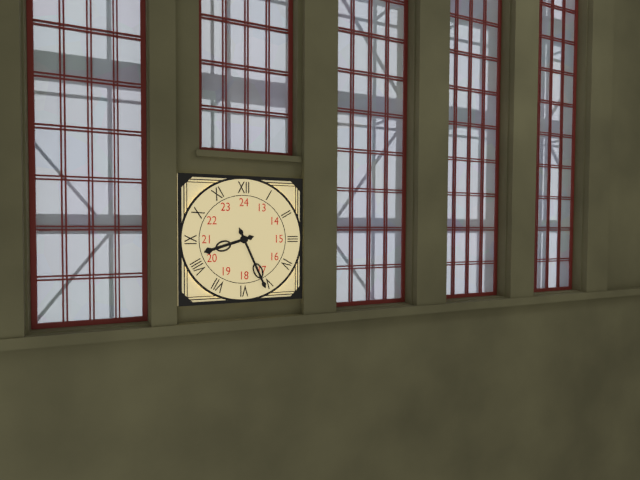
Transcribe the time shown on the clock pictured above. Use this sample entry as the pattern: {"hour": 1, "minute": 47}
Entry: {"hour": 8, "minute": 26}
